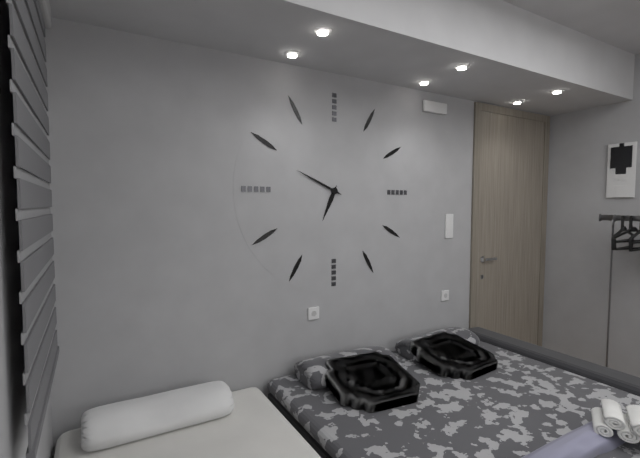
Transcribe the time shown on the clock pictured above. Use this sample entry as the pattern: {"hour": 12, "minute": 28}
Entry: {"hour": 6, "minute": 49}
